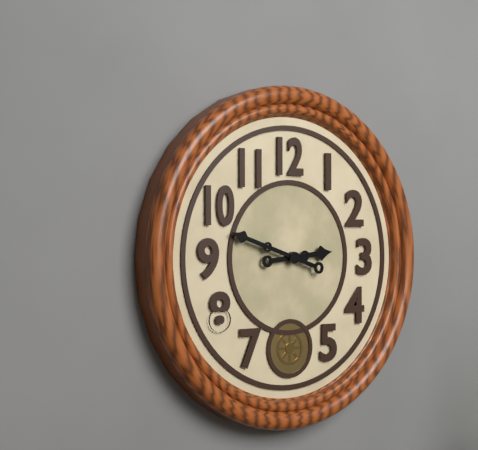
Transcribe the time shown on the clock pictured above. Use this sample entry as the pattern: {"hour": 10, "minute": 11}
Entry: {"hour": 2, "minute": 48}
